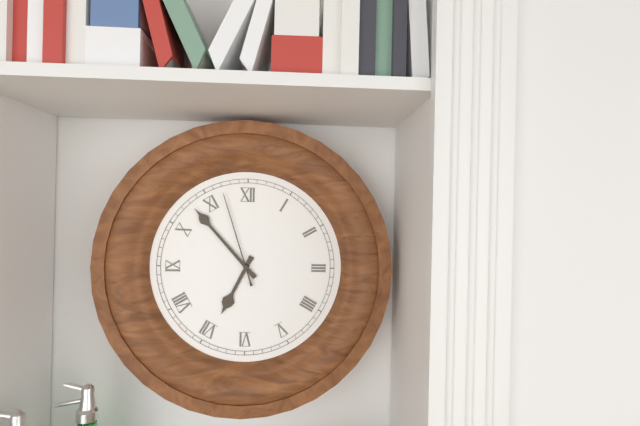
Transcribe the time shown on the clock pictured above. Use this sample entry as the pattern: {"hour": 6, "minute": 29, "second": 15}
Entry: {"hour": 6, "minute": 53, "second": 57}
